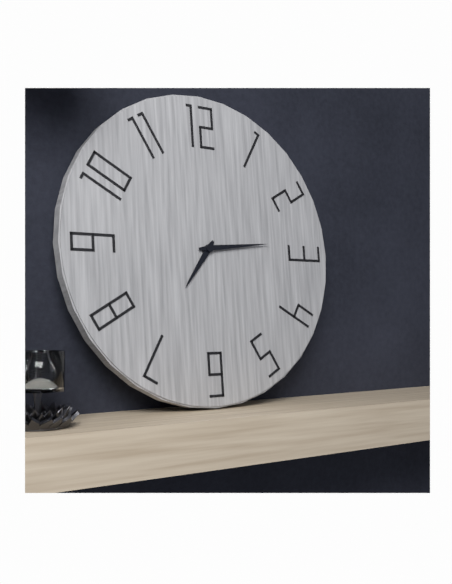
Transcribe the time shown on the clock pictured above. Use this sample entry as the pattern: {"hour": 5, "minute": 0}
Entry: {"hour": 7, "minute": 14}
